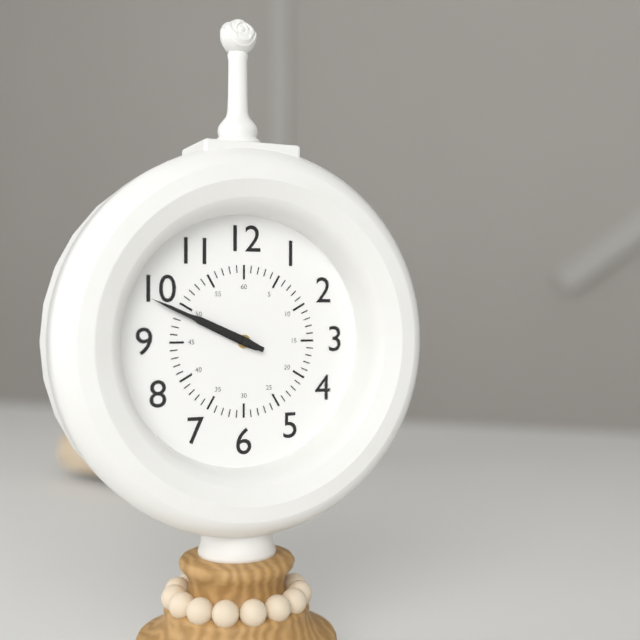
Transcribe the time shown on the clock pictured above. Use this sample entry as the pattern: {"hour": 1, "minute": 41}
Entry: {"hour": 9, "minute": 49}
